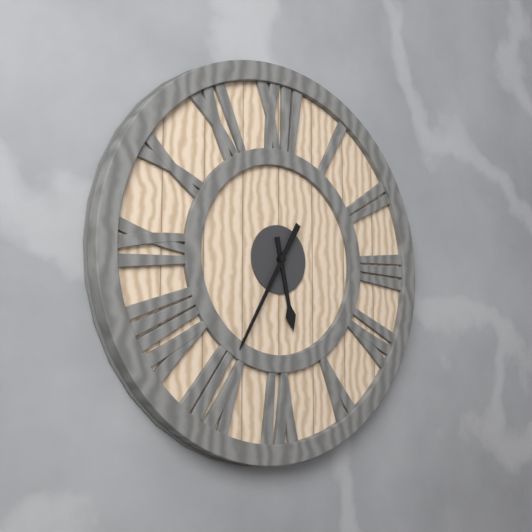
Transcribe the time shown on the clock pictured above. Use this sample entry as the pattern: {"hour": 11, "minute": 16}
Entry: {"hour": 5, "minute": 35}
